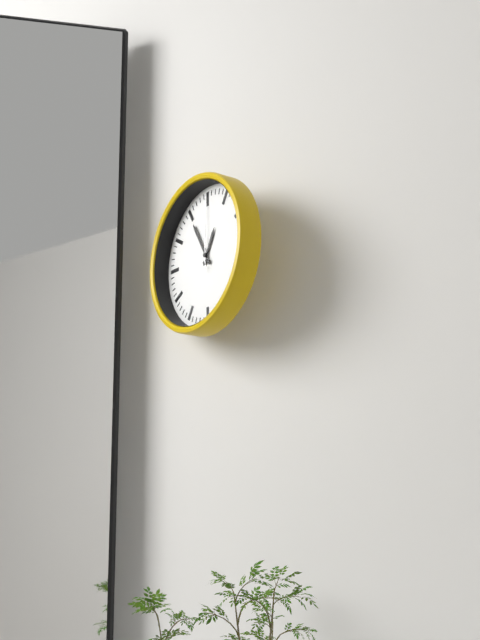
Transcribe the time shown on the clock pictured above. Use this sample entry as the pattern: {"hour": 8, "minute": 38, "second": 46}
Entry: {"hour": 12, "minute": 55, "second": 0}
